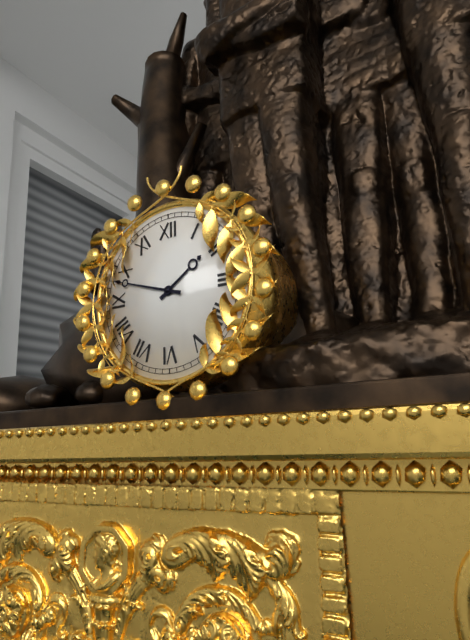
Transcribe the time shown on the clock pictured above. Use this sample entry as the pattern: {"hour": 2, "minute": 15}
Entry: {"hour": 1, "minute": 48}
